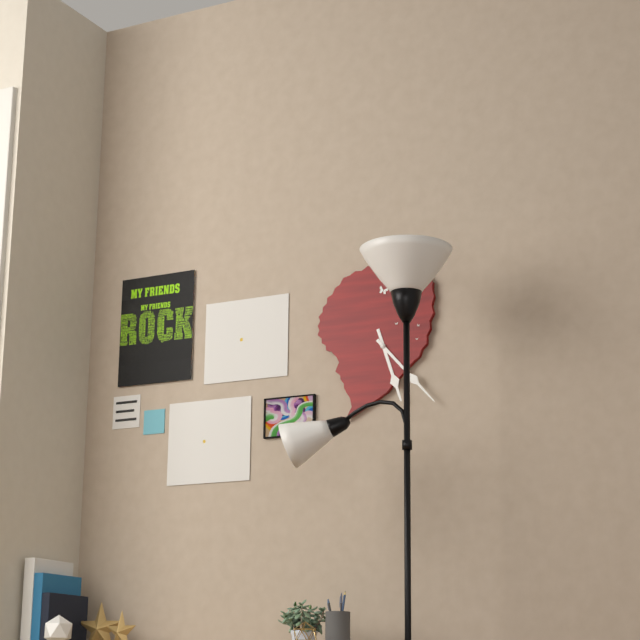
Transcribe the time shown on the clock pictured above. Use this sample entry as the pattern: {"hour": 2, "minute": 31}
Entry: {"hour": 5, "minute": 23}
